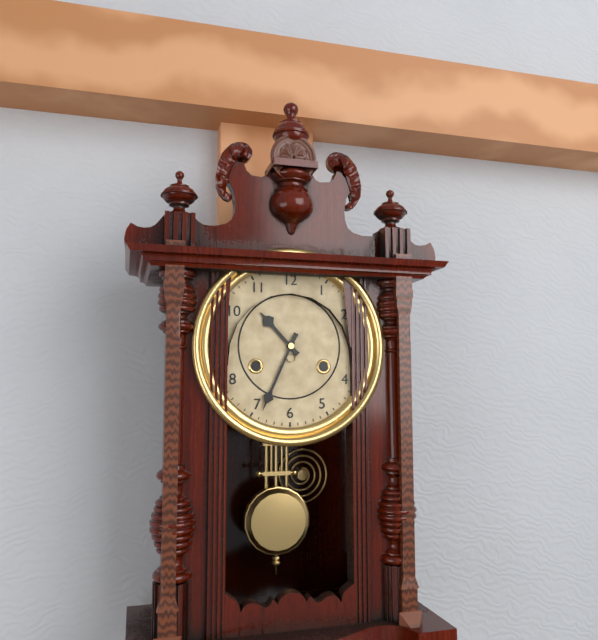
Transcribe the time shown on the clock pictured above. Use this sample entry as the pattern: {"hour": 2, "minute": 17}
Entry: {"hour": 10, "minute": 34}
